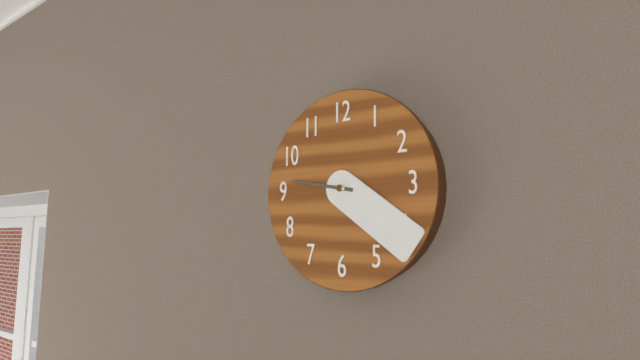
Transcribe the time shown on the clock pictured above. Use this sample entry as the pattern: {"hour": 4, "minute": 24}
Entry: {"hour": 9, "minute": 21}
